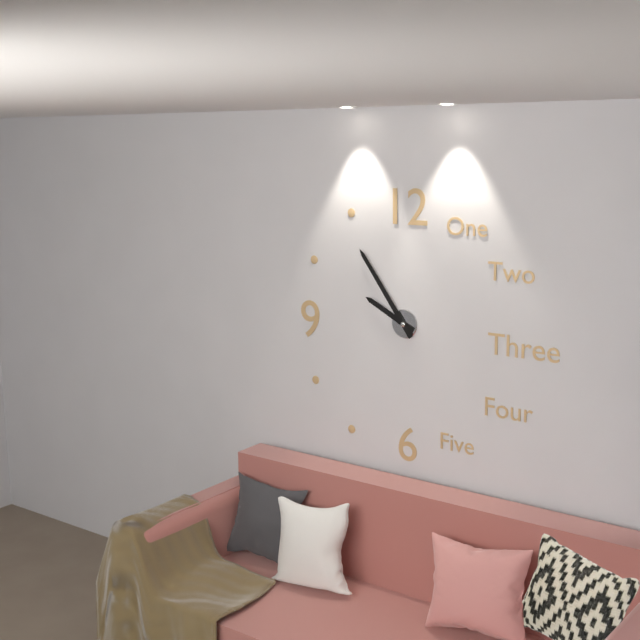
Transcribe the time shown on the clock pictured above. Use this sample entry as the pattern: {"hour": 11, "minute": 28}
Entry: {"hour": 9, "minute": 54}
